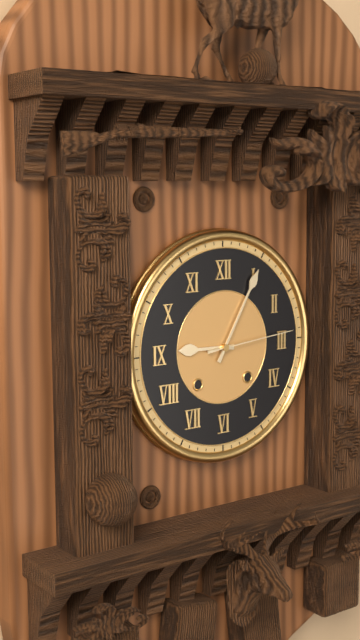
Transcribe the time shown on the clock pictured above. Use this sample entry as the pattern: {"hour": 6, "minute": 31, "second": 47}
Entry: {"hour": 9, "minute": 5, "second": 14}
